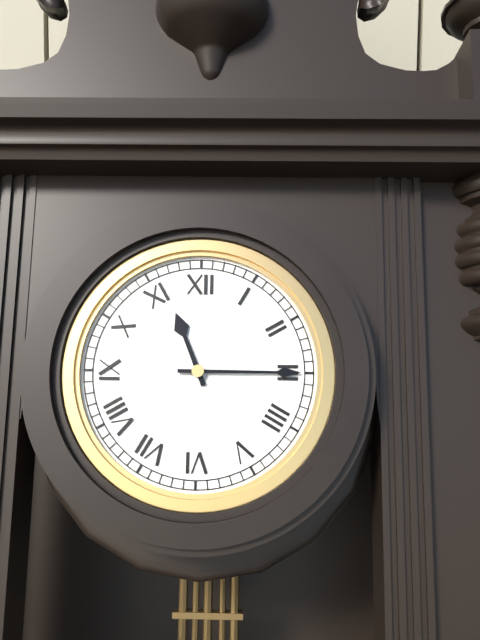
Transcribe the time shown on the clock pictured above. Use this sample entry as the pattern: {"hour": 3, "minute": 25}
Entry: {"hour": 11, "minute": 15}
